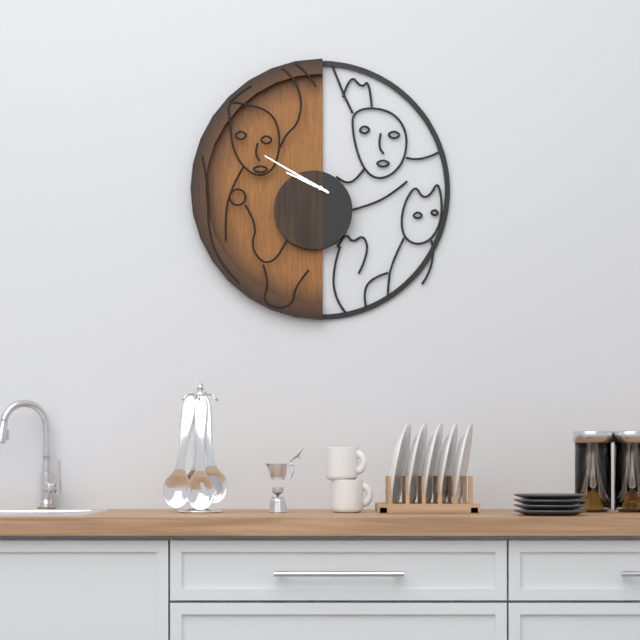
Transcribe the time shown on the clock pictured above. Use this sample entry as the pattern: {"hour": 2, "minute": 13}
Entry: {"hour": 9, "minute": 50}
